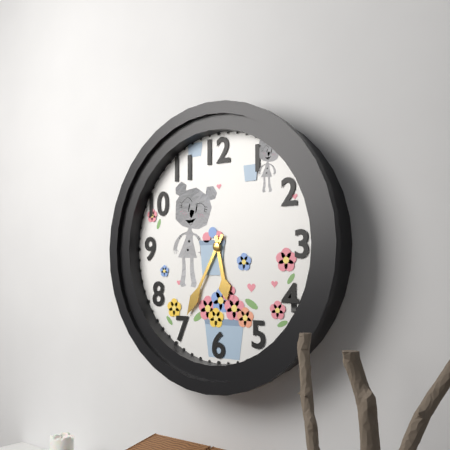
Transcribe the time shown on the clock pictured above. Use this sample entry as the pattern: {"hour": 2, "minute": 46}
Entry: {"hour": 5, "minute": 35}
